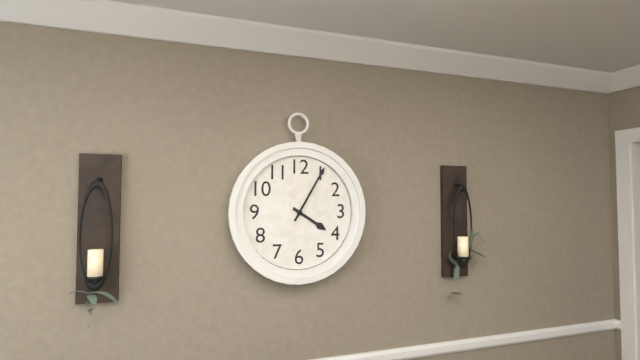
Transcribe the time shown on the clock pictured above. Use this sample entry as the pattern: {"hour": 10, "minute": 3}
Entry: {"hour": 4, "minute": 5}
